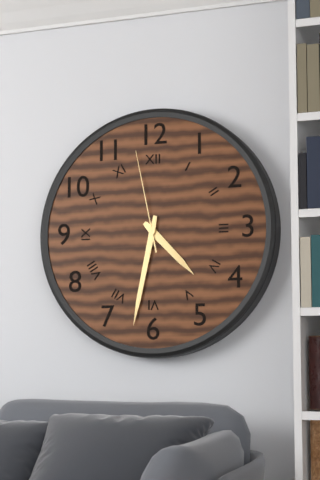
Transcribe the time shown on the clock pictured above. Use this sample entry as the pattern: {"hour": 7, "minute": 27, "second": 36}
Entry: {"hour": 4, "minute": 32, "second": 58}
